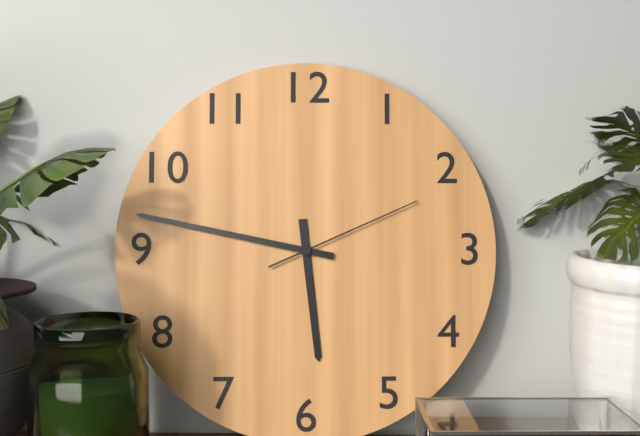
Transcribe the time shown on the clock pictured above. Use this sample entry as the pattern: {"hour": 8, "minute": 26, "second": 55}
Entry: {"hour": 5, "minute": 47, "second": 11}
